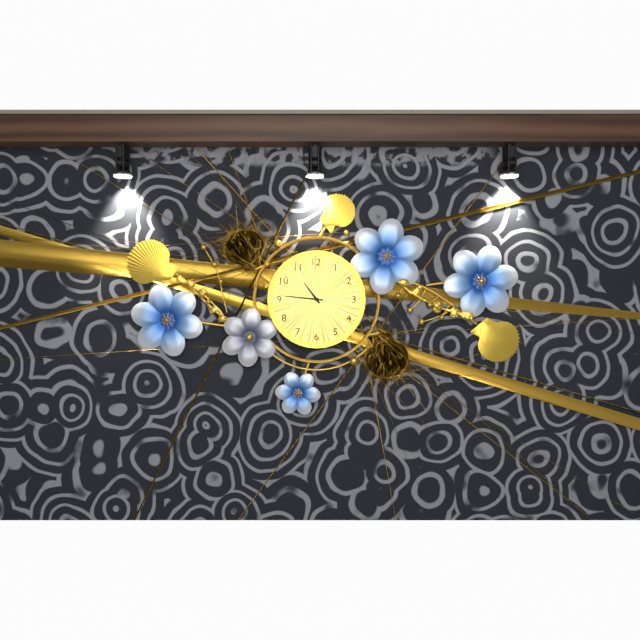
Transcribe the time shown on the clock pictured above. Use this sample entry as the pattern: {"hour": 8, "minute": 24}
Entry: {"hour": 10, "minute": 46}
